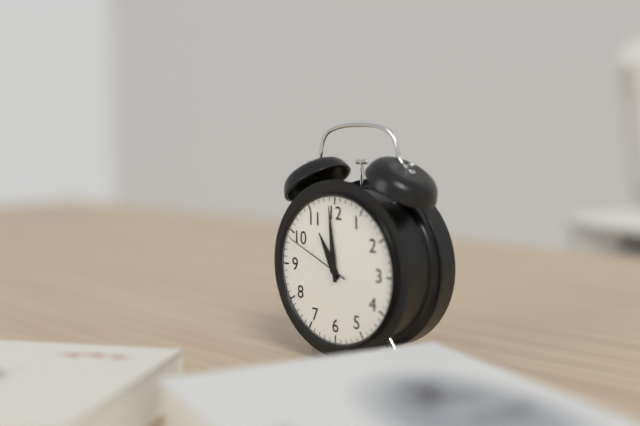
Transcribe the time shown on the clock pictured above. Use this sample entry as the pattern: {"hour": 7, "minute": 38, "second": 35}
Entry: {"hour": 10, "minute": 59, "second": 49}
